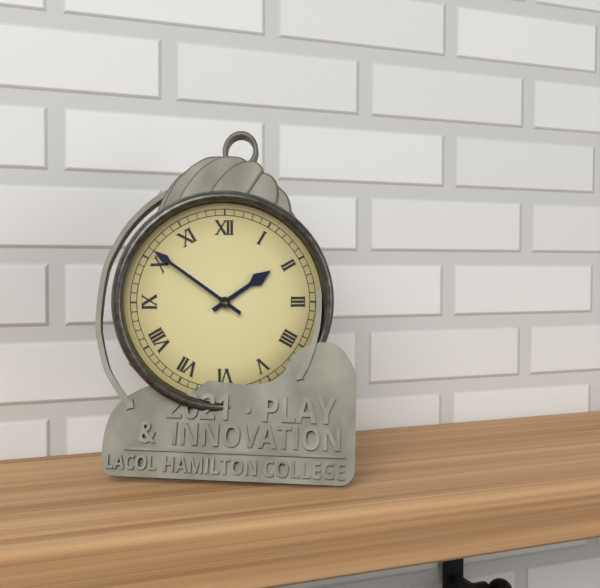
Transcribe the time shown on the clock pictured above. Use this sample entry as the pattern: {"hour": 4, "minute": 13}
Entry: {"hour": 1, "minute": 51}
